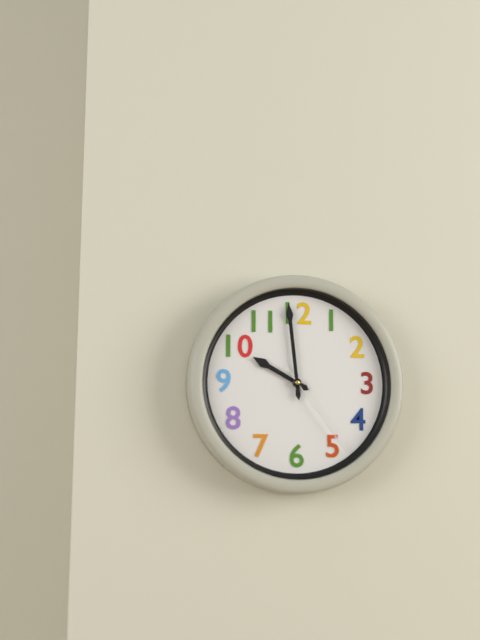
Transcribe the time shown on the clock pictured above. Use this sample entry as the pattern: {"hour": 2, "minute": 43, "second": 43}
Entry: {"hour": 9, "minute": 59, "second": 24}
